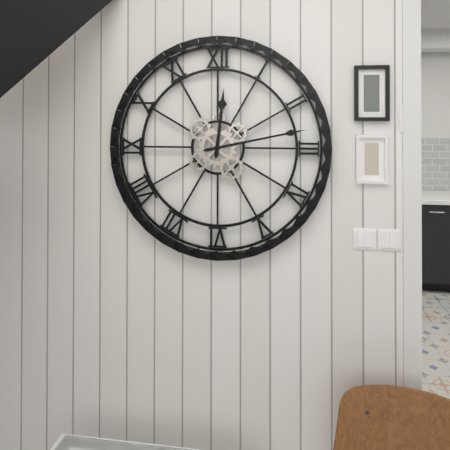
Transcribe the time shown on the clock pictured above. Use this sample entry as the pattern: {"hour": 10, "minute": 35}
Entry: {"hour": 12, "minute": 13}
